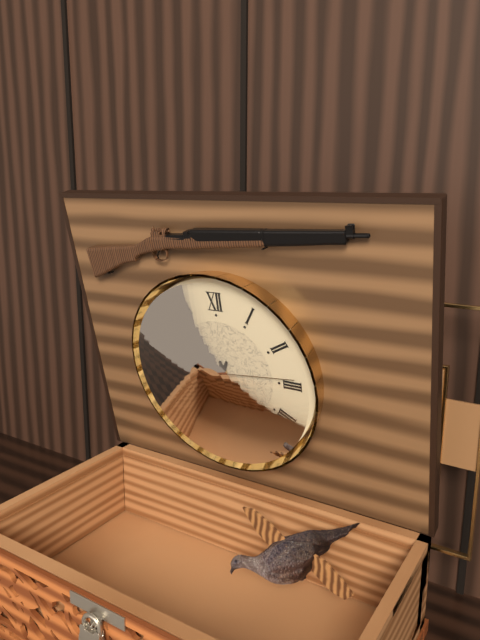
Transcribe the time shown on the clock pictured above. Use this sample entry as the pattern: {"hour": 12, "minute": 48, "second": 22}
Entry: {"hour": 5, "minute": 34, "second": 14}
